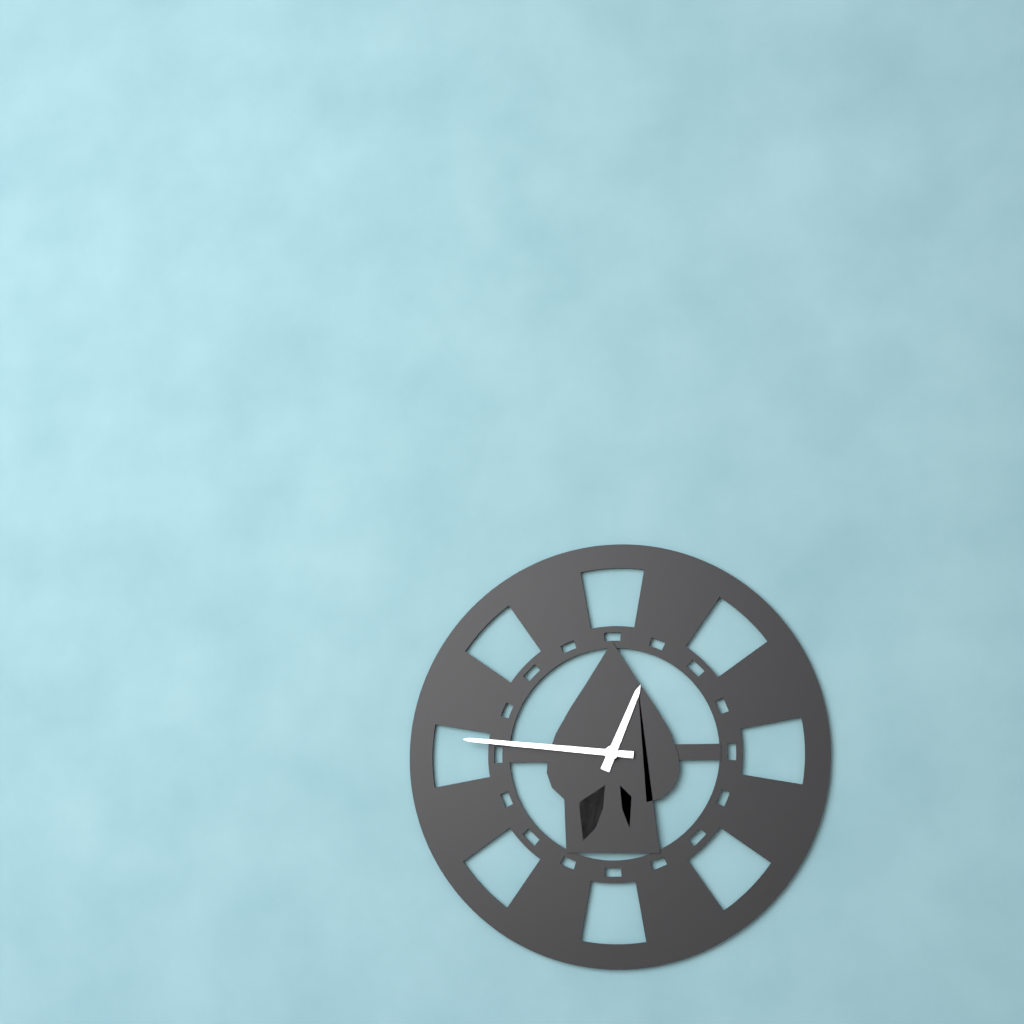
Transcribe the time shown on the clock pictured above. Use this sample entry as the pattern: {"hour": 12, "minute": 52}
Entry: {"hour": 12, "minute": 46}
